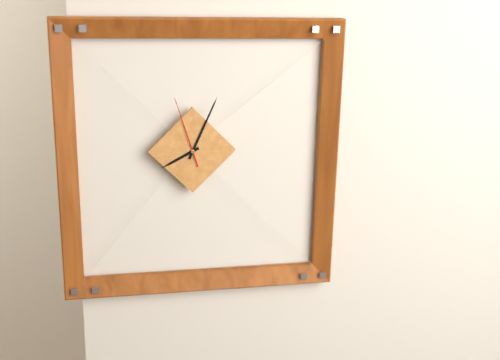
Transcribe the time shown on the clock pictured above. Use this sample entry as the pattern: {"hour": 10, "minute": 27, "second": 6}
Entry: {"hour": 8, "minute": 4, "second": 57}
